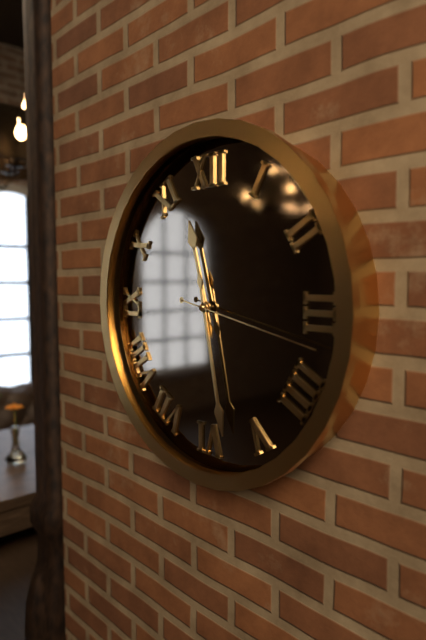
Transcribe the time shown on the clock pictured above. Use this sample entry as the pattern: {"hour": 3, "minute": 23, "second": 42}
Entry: {"hour": 11, "minute": 28, "second": 17}
